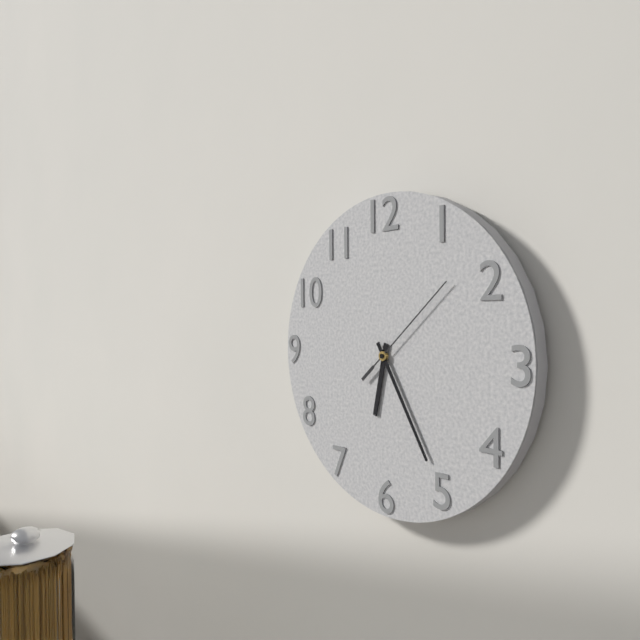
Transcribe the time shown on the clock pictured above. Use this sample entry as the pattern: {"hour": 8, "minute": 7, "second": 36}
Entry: {"hour": 6, "minute": 25, "second": 8}
